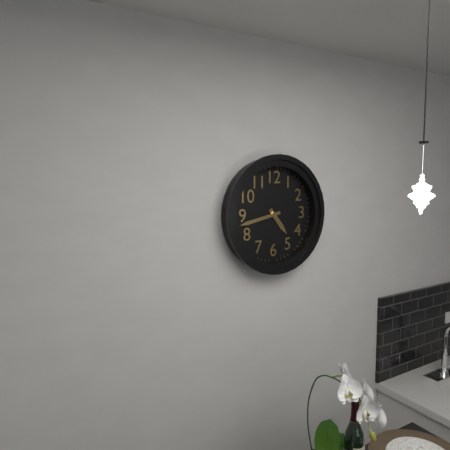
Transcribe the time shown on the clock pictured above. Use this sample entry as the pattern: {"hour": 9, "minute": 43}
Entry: {"hour": 4, "minute": 43}
